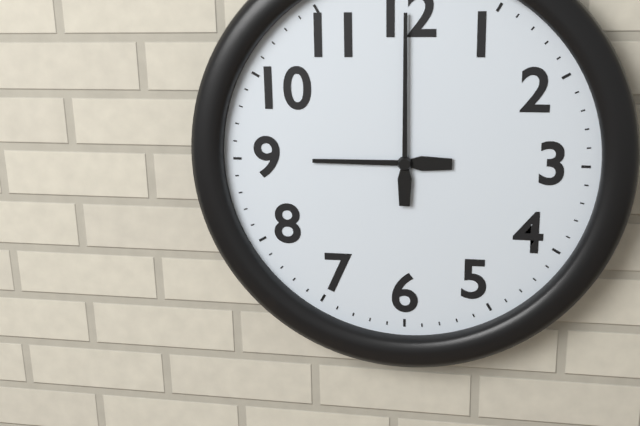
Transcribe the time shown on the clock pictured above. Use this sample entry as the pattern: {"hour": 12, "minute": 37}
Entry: {"hour": 9, "minute": 0}
